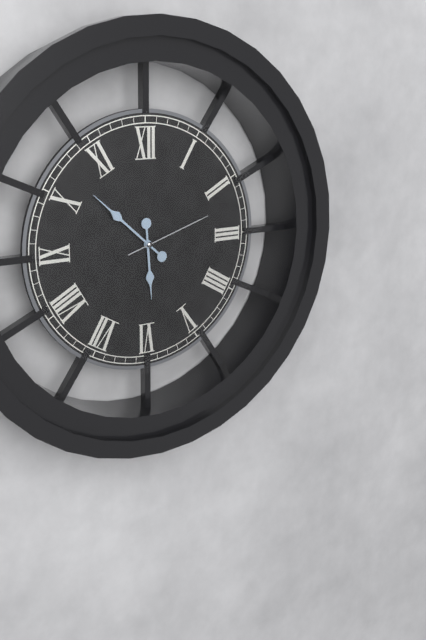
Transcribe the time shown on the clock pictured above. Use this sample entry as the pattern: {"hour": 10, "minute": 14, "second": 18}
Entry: {"hour": 5, "minute": 52, "second": 12}
